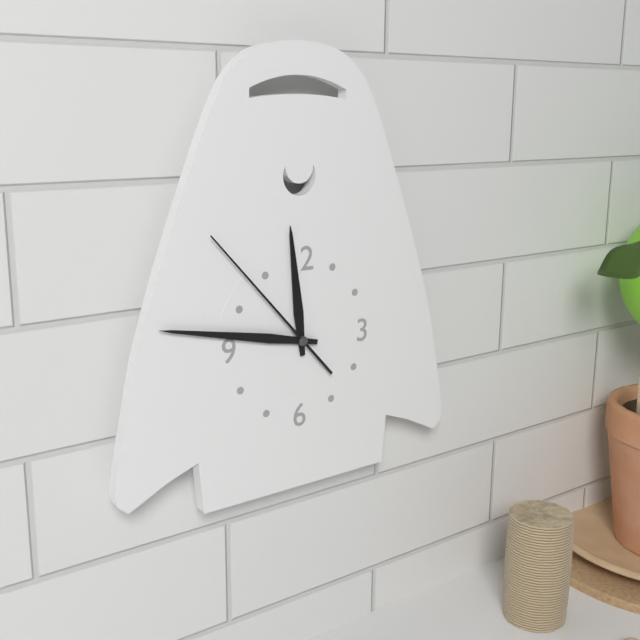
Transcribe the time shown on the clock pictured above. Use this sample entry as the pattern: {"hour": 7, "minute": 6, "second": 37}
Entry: {"hour": 11, "minute": 47, "second": 53}
